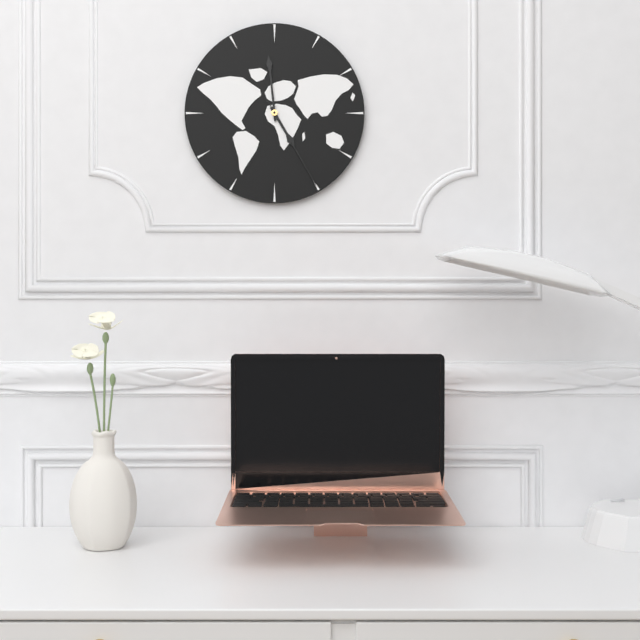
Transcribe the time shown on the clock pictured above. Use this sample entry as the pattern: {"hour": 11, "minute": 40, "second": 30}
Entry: {"hour": 4, "minute": 59, "second": 25}
